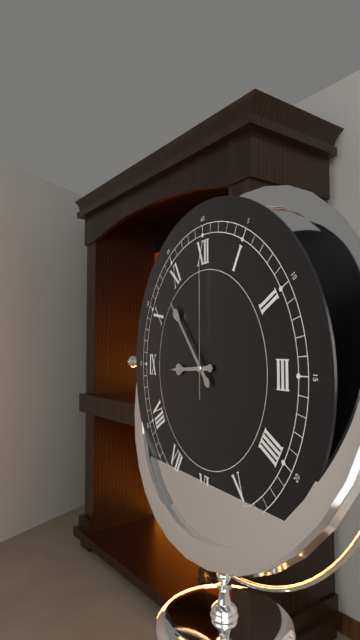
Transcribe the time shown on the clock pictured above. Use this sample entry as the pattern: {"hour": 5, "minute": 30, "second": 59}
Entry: {"hour": 8, "minute": 53, "second": 0}
